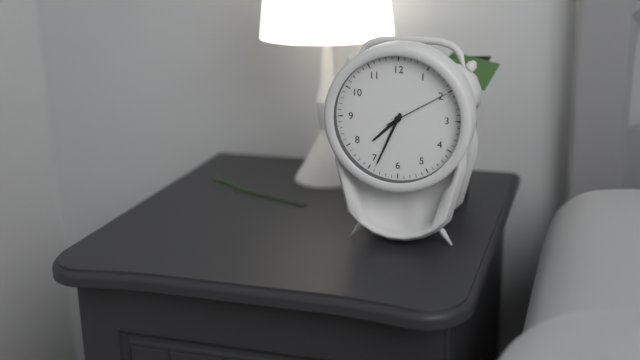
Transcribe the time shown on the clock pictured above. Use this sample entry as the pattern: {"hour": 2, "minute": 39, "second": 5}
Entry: {"hour": 7, "minute": 34, "second": 10}
